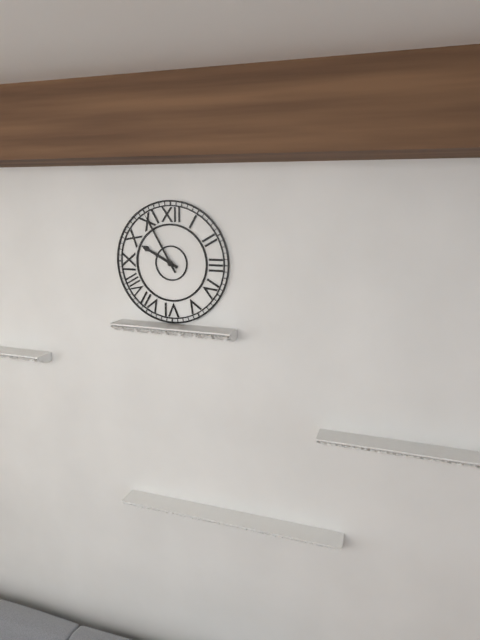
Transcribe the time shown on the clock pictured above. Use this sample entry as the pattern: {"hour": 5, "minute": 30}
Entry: {"hour": 9, "minute": 55}
